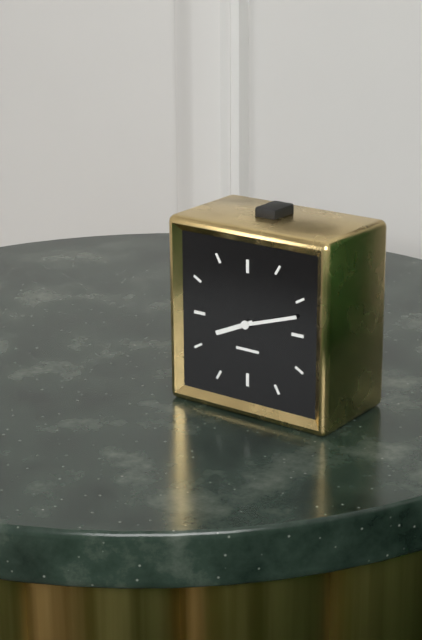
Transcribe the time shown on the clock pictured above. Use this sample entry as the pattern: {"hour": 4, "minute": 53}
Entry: {"hour": 8, "minute": 12}
